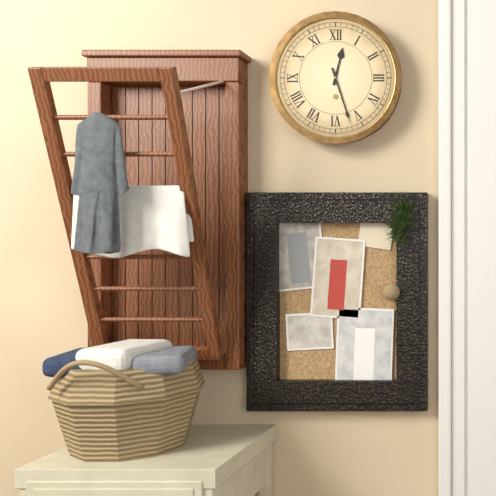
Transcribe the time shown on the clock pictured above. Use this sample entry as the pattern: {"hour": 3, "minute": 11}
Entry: {"hour": 12, "minute": 27}
